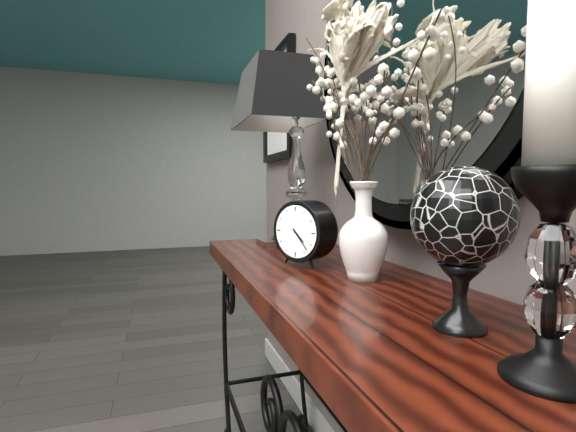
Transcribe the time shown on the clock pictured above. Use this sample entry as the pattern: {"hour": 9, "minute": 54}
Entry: {"hour": 4, "minute": 23}
